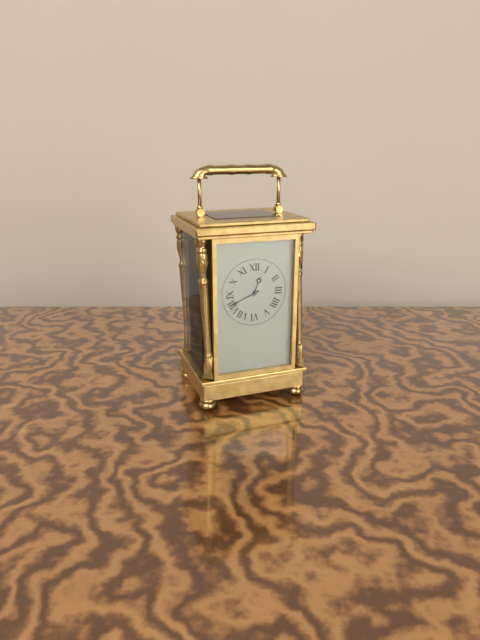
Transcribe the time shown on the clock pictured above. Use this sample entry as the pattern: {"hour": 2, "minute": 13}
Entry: {"hour": 12, "minute": 41}
